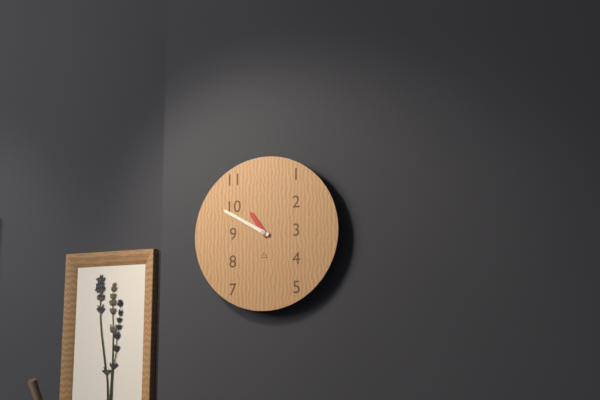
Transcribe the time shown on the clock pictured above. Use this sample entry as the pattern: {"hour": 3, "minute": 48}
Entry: {"hour": 10, "minute": 50}
